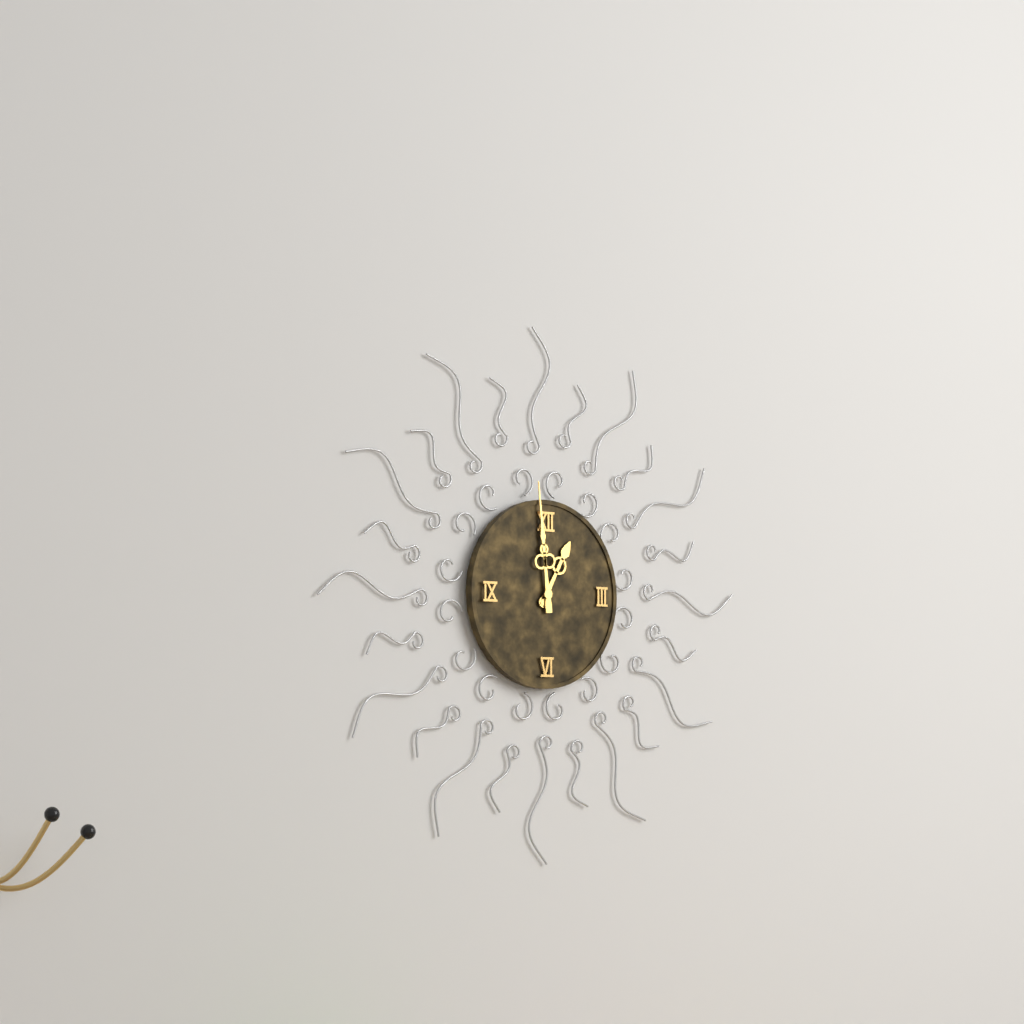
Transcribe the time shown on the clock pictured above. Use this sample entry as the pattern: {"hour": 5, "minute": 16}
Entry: {"hour": 12, "minute": 59}
